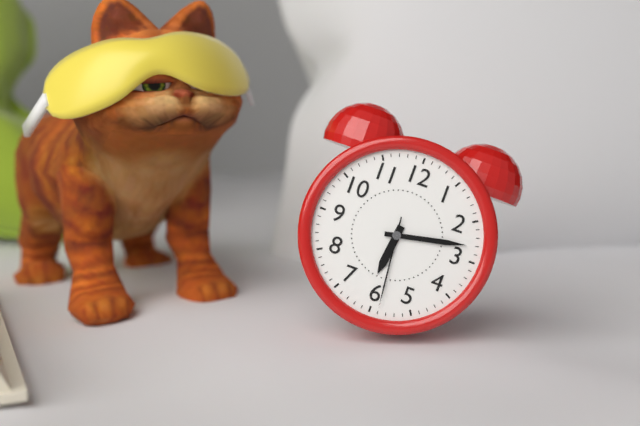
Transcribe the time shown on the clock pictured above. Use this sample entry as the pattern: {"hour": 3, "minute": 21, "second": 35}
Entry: {"hour": 6, "minute": 13, "second": 29}
